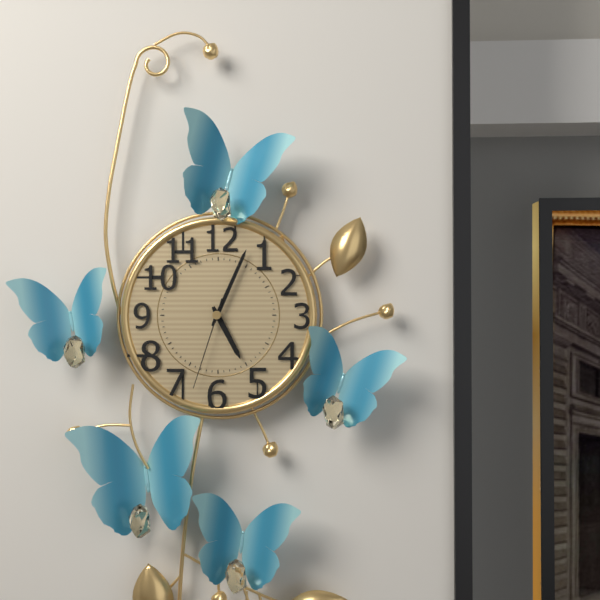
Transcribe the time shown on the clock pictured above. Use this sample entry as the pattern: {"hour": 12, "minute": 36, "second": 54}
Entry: {"hour": 5, "minute": 4, "second": 33}
